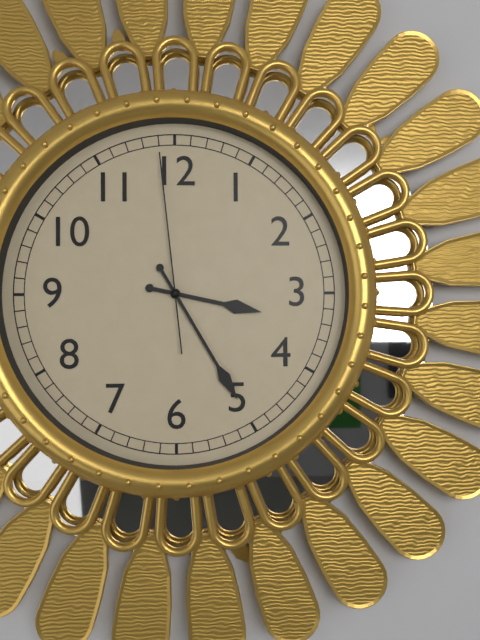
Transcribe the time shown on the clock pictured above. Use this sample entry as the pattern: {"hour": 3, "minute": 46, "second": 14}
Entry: {"hour": 3, "minute": 25, "second": 59}
